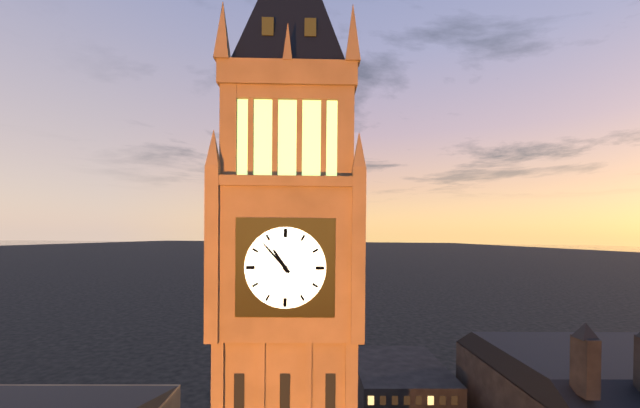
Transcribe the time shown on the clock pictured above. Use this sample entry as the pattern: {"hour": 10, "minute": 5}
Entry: {"hour": 10, "minute": 53}
